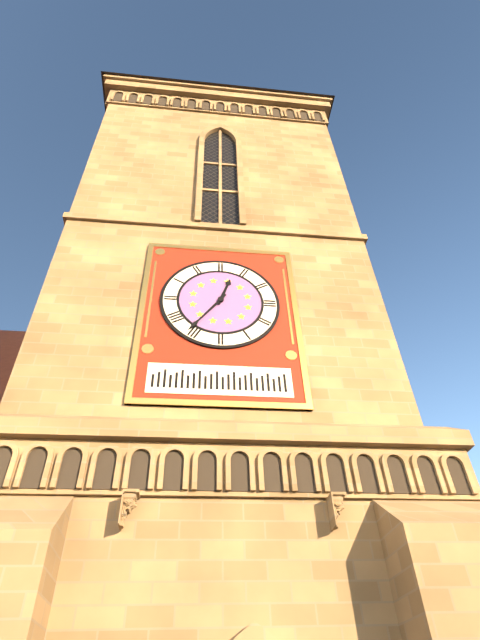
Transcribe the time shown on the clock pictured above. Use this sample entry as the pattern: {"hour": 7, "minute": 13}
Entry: {"hour": 12, "minute": 36}
